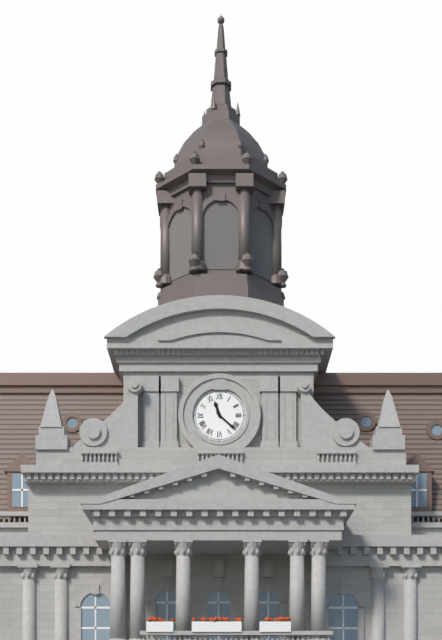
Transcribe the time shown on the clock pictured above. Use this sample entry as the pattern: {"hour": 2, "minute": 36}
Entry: {"hour": 11, "minute": 22}
